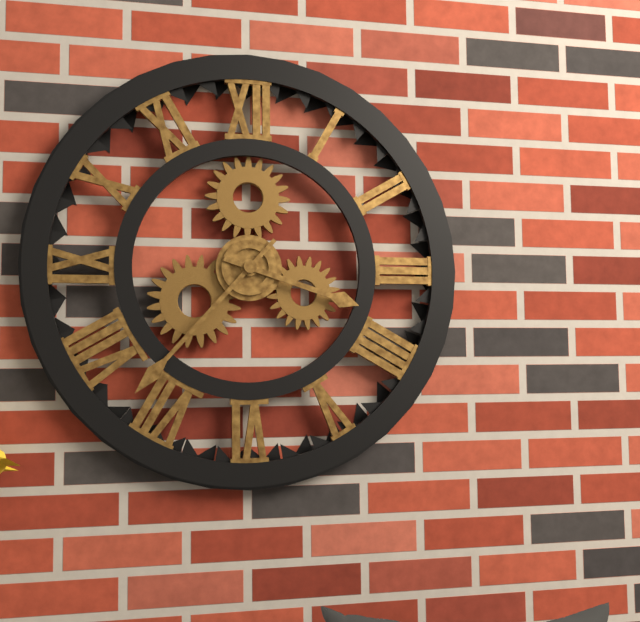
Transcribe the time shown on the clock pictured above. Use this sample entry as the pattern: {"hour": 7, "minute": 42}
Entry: {"hour": 3, "minute": 37}
